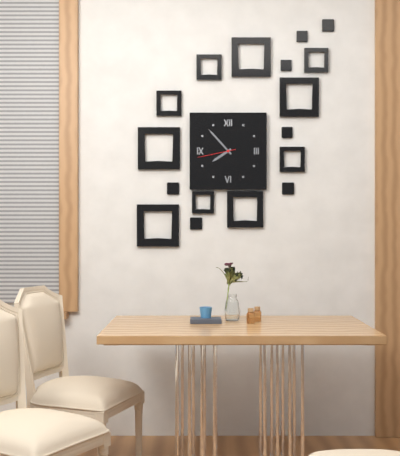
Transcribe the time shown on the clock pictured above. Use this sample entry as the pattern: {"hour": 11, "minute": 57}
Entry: {"hour": 7, "minute": 53}
